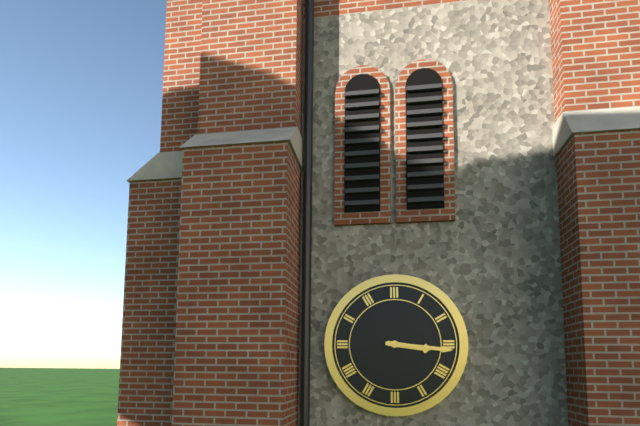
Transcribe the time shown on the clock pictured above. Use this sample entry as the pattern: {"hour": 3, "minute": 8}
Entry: {"hour": 3, "minute": 16}
